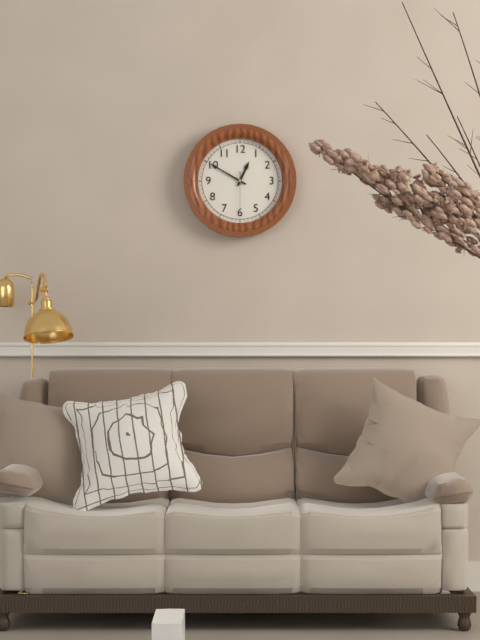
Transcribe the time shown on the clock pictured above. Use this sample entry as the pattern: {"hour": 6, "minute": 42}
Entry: {"hour": 12, "minute": 50}
